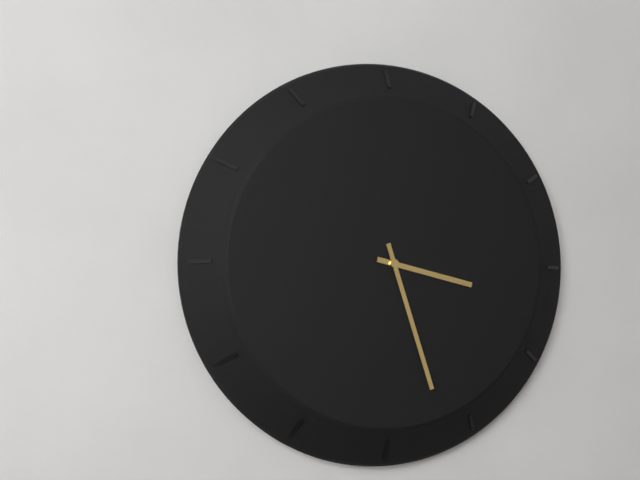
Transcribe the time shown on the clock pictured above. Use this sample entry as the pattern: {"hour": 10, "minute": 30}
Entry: {"hour": 3, "minute": 27}
